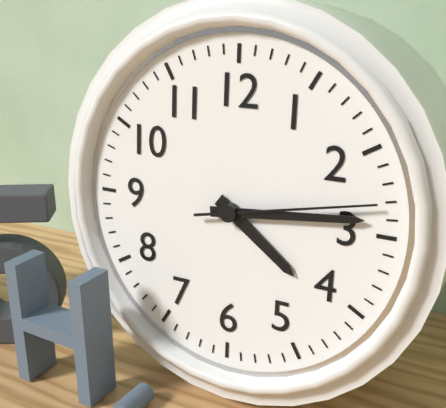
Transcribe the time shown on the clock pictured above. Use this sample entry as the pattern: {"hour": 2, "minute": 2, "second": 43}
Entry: {"hour": 4, "minute": 14, "second": 13}
